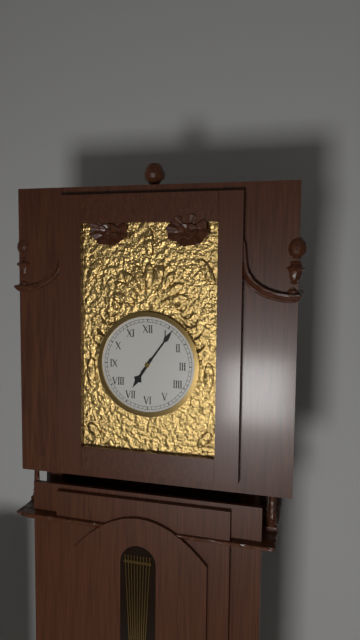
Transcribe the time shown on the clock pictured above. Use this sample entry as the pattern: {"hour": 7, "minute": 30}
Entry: {"hour": 7, "minute": 6}
